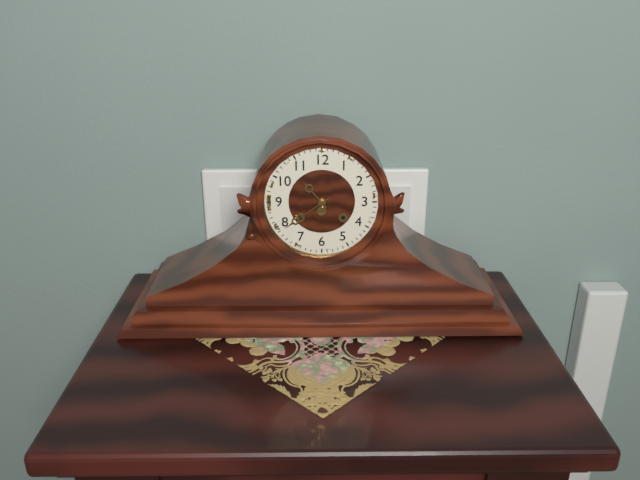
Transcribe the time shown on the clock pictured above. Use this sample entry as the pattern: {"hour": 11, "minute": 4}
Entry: {"hour": 10, "minute": 39}
